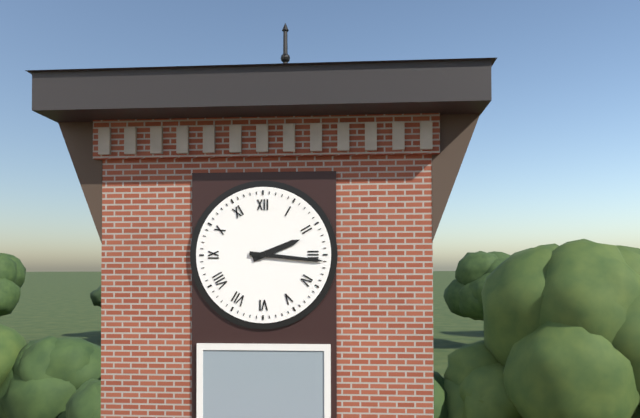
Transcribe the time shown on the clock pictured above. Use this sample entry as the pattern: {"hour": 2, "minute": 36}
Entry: {"hour": 2, "minute": 16}
